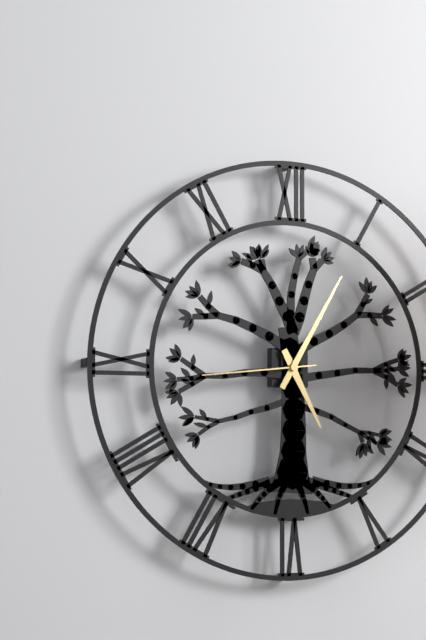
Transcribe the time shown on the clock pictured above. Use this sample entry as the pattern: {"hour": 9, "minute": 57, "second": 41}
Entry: {"hour": 5, "minute": 5, "second": 44}
